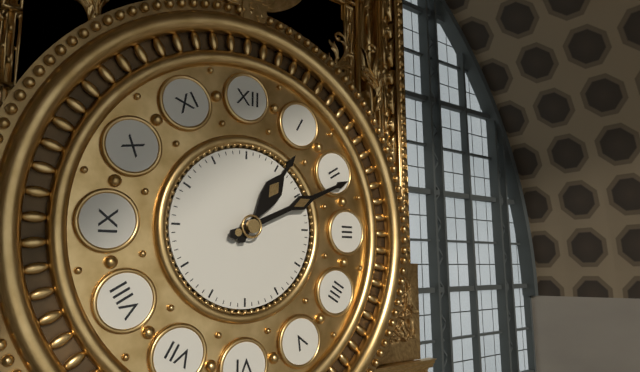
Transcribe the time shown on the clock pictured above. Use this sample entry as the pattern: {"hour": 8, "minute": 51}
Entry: {"hour": 1, "minute": 11}
